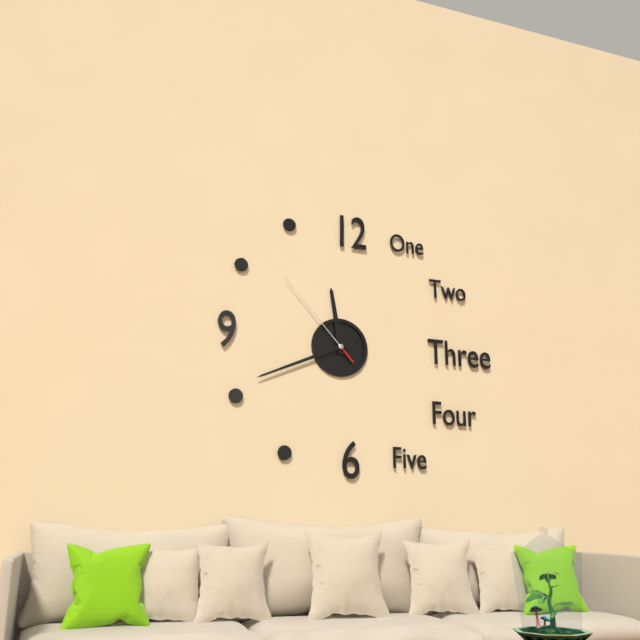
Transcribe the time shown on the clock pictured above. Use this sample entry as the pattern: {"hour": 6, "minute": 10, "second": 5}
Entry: {"hour": 11, "minute": 41, "second": 53}
